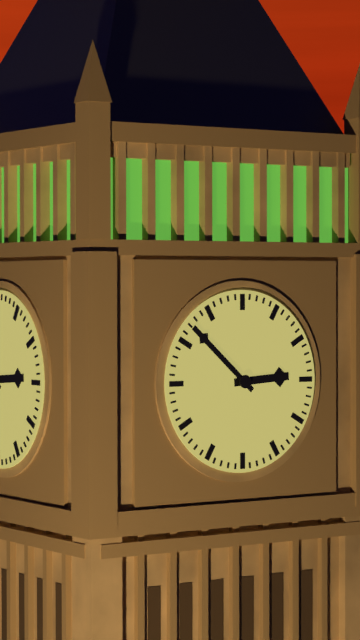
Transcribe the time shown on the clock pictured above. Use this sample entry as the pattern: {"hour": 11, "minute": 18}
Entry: {"hour": 2, "minute": 52}
